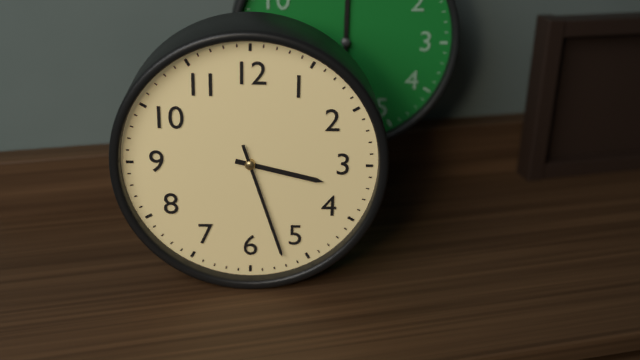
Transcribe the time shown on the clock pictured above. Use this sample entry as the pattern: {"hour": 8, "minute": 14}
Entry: {"hour": 3, "minute": 27}
